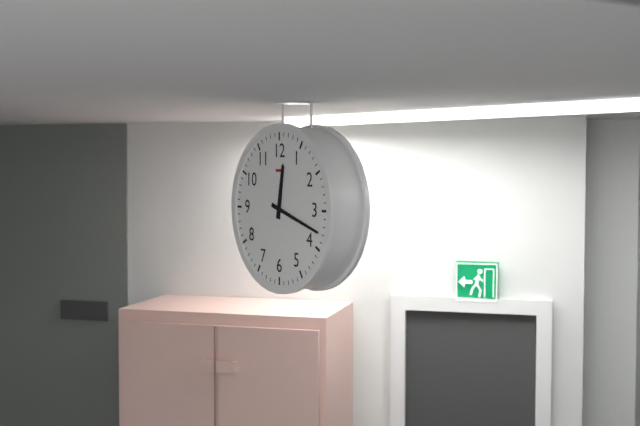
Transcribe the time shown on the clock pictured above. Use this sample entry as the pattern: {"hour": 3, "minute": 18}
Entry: {"hour": 12, "minute": 18}
